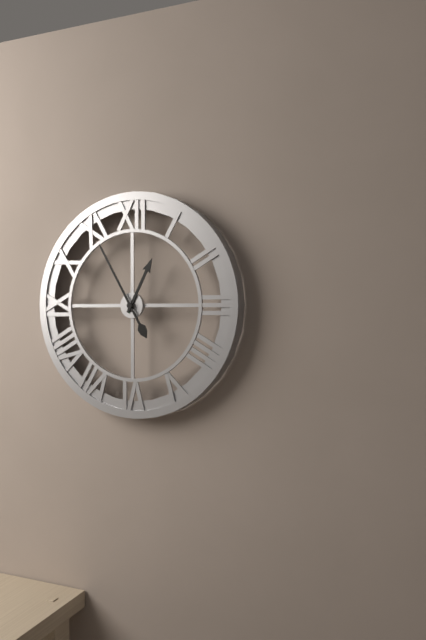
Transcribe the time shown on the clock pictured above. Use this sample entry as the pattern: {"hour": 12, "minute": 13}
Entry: {"hour": 12, "minute": 55}
